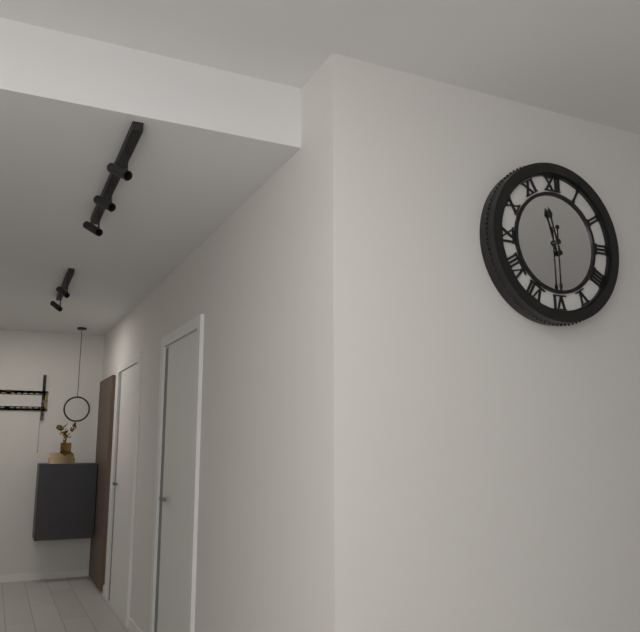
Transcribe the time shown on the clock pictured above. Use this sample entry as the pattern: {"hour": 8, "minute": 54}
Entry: {"hour": 11, "minute": 30}
